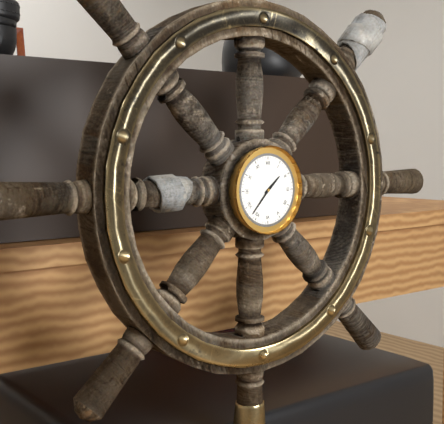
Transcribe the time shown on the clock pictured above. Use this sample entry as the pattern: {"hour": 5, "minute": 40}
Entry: {"hour": 1, "minute": 37}
